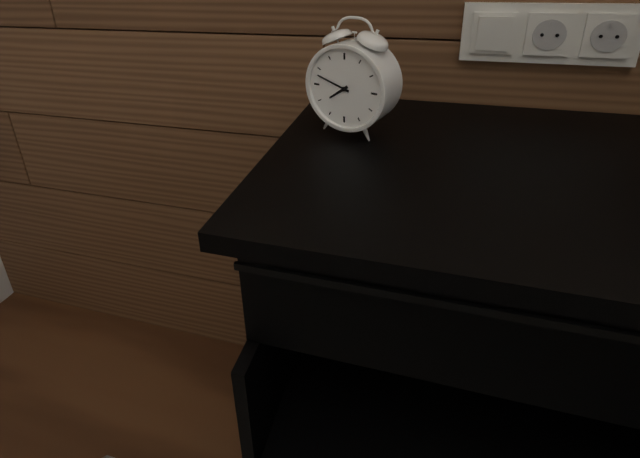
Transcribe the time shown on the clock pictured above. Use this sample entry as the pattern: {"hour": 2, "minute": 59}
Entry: {"hour": 7, "minute": 48}
